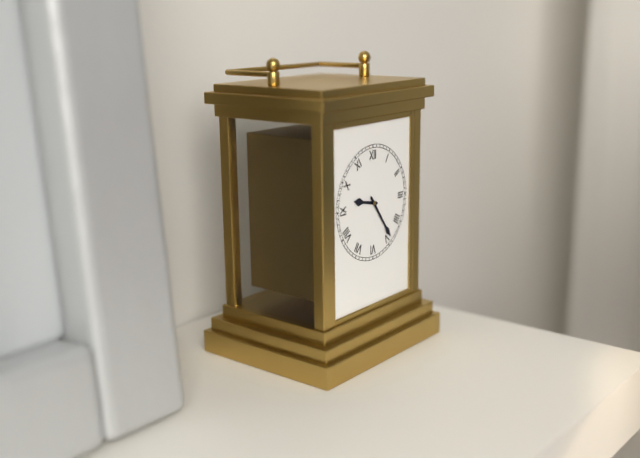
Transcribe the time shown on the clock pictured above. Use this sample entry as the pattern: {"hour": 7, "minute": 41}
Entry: {"hour": 9, "minute": 24}
